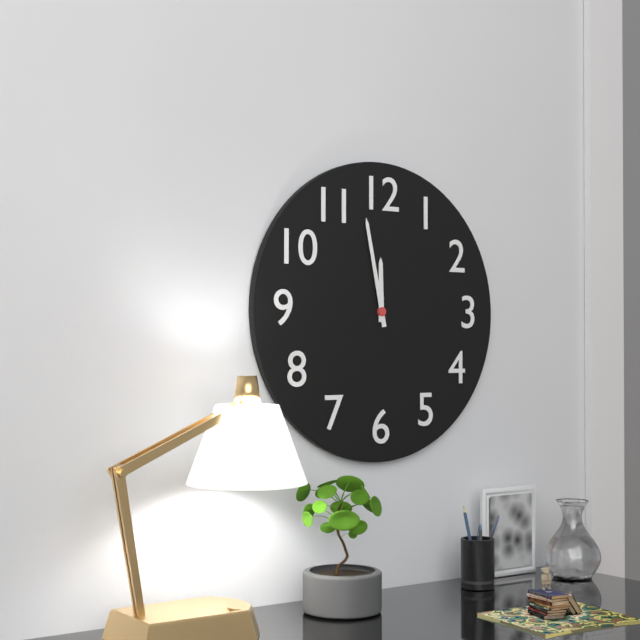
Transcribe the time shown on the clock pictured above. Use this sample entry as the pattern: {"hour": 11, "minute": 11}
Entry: {"hour": 11, "minute": 58}
